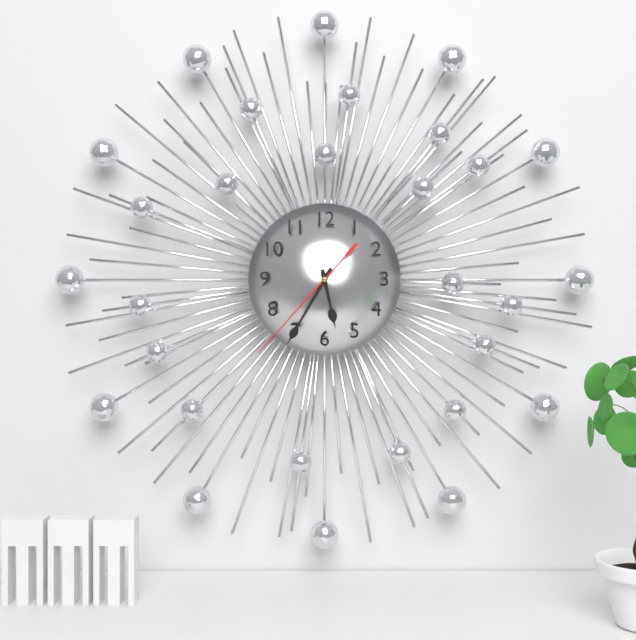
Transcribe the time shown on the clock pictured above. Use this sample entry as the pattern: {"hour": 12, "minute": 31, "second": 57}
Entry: {"hour": 5, "minute": 35, "second": 37}
